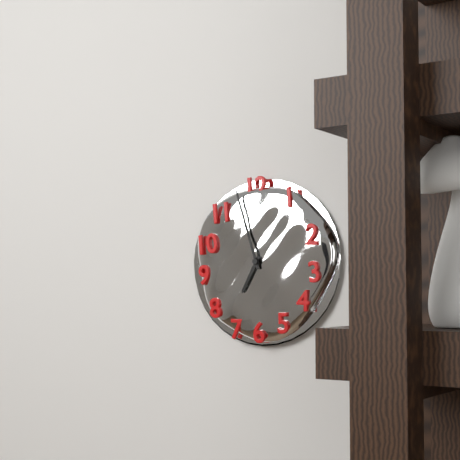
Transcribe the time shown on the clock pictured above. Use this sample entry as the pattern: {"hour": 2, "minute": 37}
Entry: {"hour": 6, "minute": 57}
